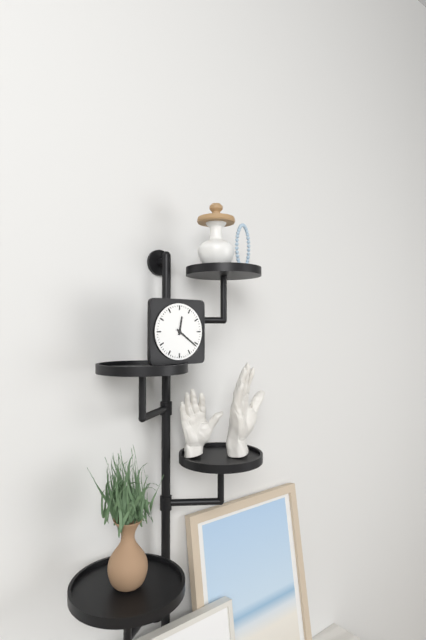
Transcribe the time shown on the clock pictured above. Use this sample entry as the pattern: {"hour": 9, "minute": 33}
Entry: {"hour": 12, "minute": 21}
